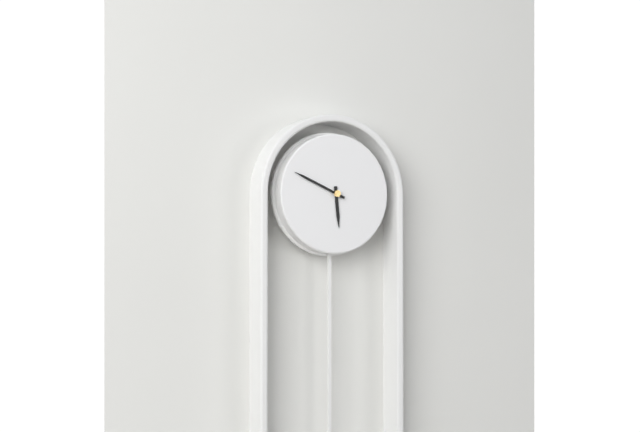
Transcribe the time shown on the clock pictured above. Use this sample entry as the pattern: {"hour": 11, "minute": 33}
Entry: {"hour": 5, "minute": 49}
